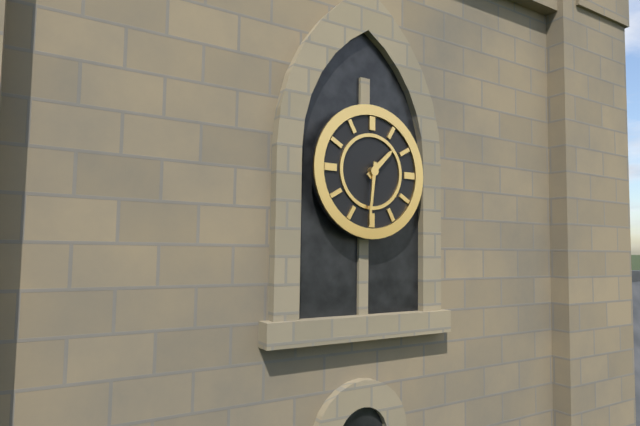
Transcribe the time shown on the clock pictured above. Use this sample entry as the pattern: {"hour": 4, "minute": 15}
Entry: {"hour": 1, "minute": 31}
